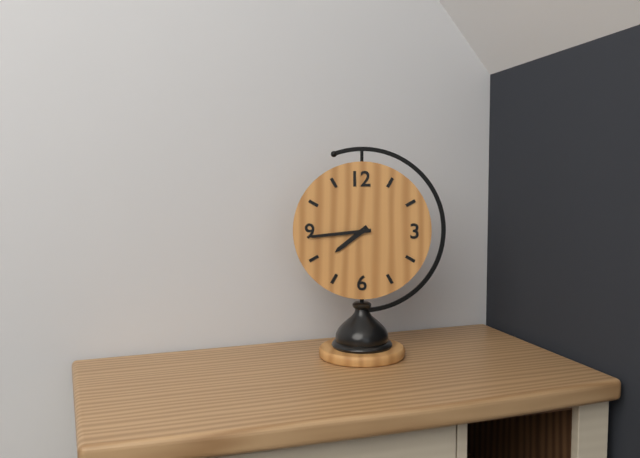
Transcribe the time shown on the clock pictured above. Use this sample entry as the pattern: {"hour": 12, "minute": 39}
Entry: {"hour": 7, "minute": 44}
